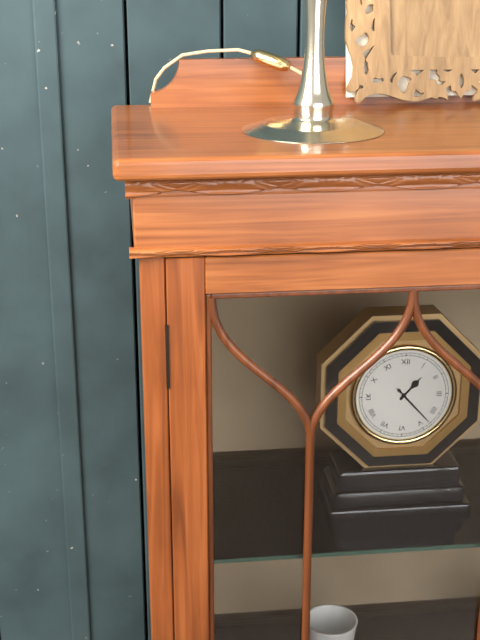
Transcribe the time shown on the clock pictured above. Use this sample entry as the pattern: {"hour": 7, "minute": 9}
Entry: {"hour": 1, "minute": 23}
